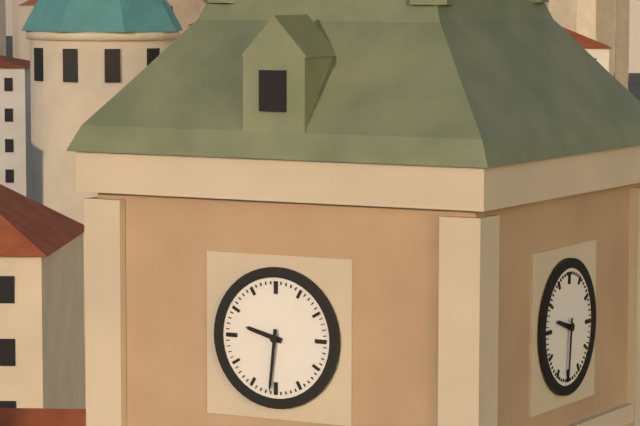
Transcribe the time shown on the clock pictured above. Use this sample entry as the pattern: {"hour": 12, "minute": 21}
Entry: {"hour": 9, "minute": 31}
